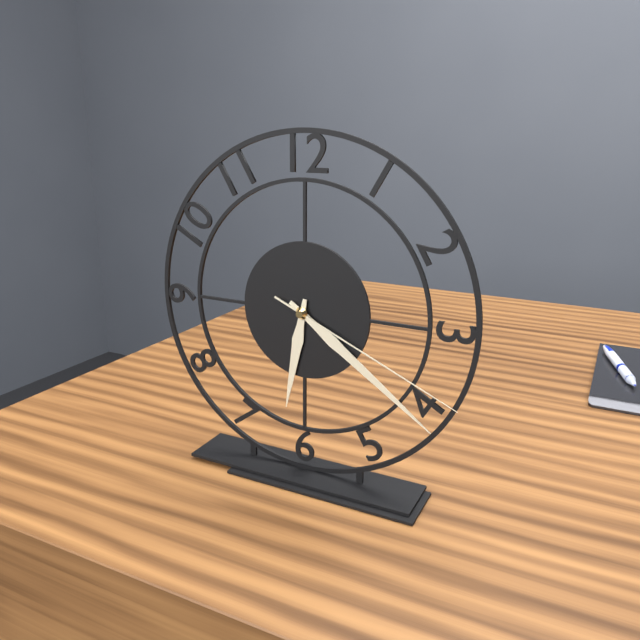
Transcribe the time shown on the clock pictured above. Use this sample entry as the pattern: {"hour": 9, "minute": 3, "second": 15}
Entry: {"hour": 6, "minute": 21, "second": 19}
